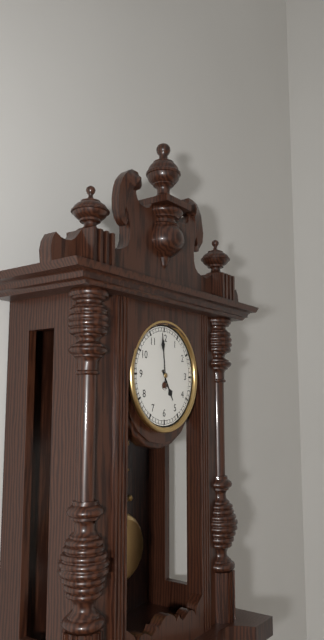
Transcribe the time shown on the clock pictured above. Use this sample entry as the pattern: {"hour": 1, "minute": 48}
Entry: {"hour": 4, "minute": 59}
